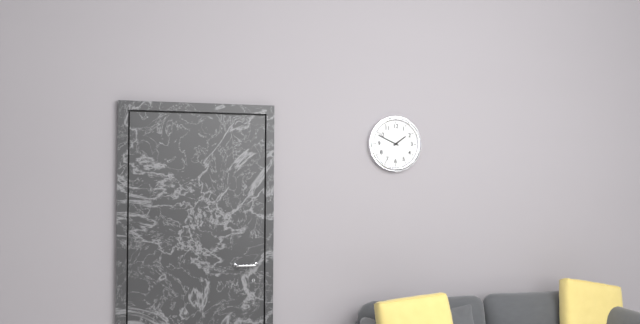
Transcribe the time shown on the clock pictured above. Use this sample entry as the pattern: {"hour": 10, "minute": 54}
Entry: {"hour": 1, "minute": 49}
